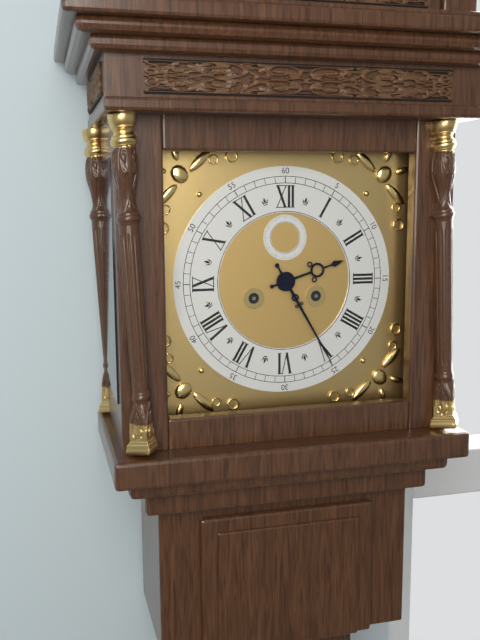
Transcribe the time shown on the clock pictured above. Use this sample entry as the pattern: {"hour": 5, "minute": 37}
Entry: {"hour": 2, "minute": 25}
